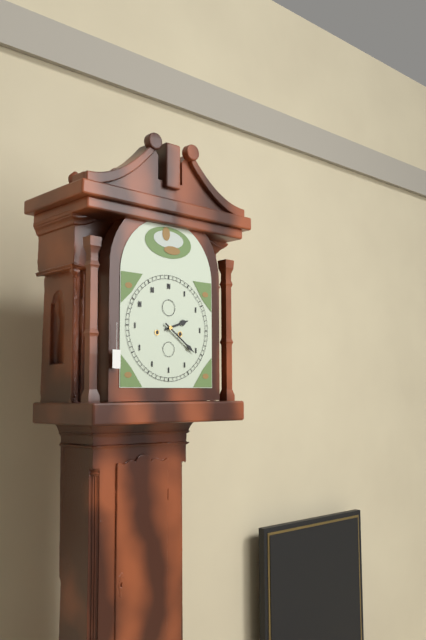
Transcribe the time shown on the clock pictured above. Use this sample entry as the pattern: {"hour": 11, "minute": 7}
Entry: {"hour": 2, "minute": 21}
